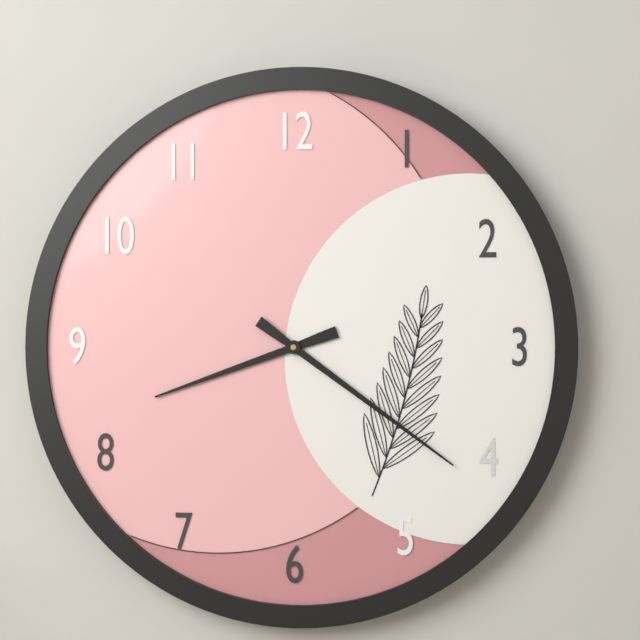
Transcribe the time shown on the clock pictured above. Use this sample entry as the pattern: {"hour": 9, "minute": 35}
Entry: {"hour": 8, "minute": 21}
